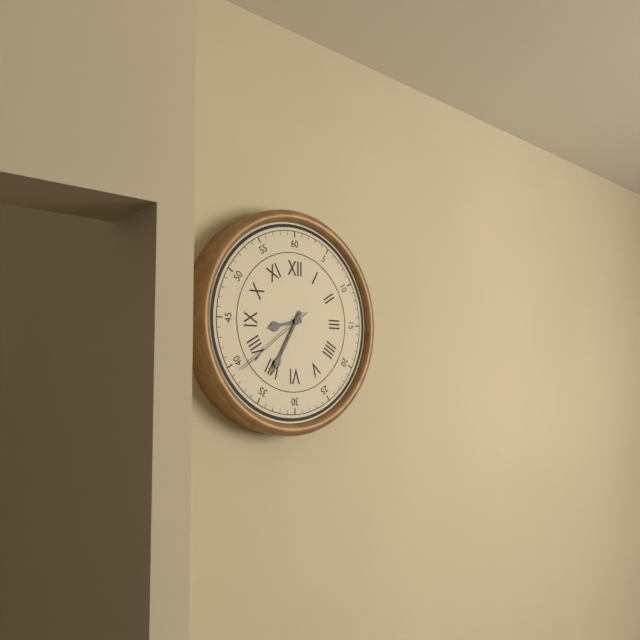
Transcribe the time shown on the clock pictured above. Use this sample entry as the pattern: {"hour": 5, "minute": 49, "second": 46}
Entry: {"hour": 8, "minute": 35, "second": 39}
